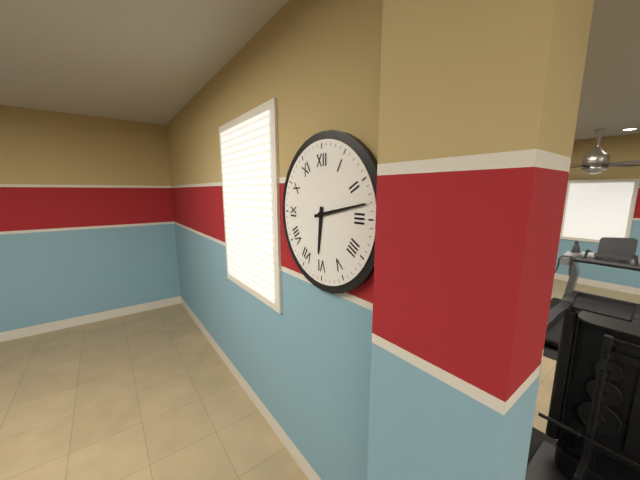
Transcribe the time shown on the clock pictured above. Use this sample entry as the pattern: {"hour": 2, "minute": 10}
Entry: {"hour": 6, "minute": 13}
